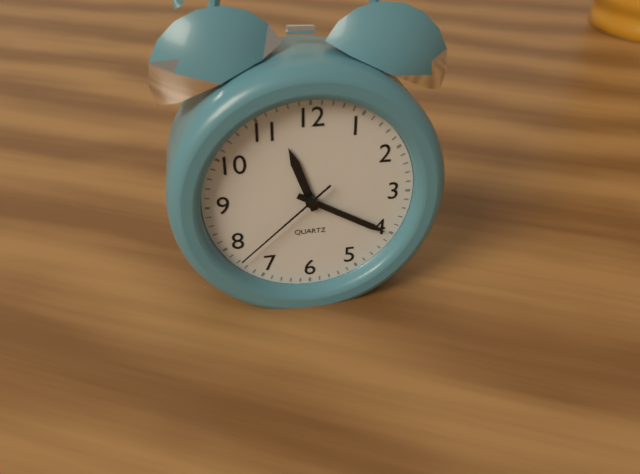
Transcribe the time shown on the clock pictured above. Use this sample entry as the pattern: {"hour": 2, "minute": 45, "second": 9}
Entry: {"hour": 11, "minute": 20, "second": 38}
